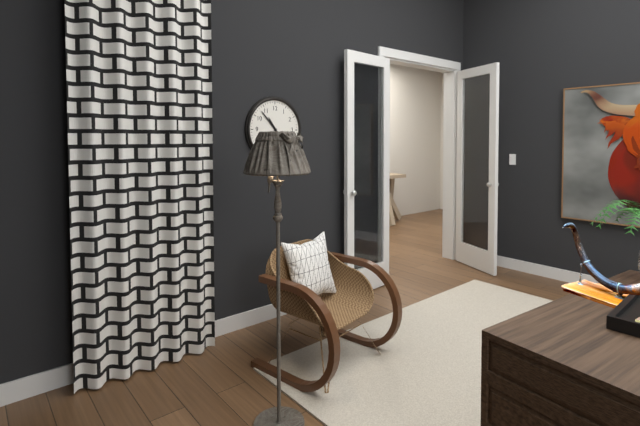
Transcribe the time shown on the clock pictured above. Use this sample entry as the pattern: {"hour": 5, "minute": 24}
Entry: {"hour": 10, "minute": 53}
